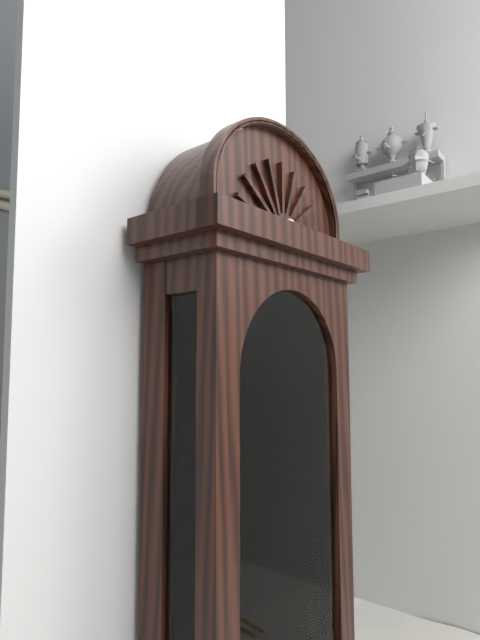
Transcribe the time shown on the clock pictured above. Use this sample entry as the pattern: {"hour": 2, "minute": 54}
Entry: {"hour": 1, "minute": 54}
